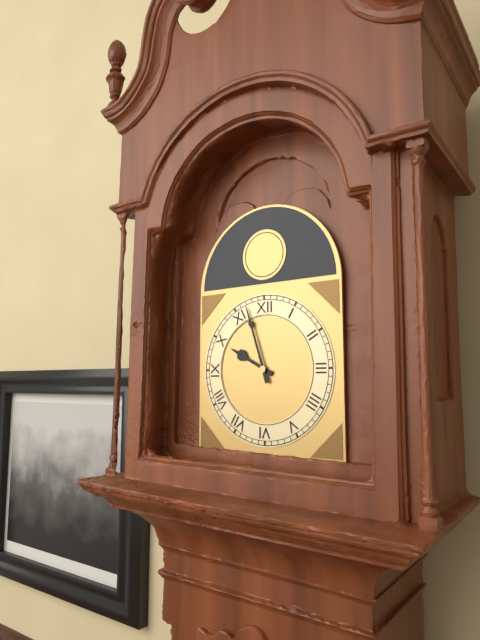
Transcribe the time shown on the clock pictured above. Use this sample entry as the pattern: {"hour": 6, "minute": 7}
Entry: {"hour": 9, "minute": 57}
